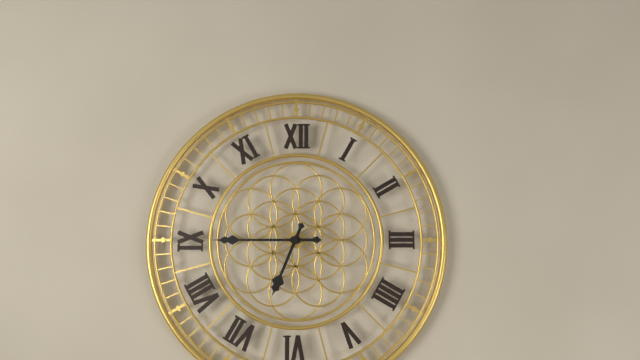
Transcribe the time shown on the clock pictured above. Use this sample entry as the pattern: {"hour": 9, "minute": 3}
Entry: {"hour": 6, "minute": 45}
